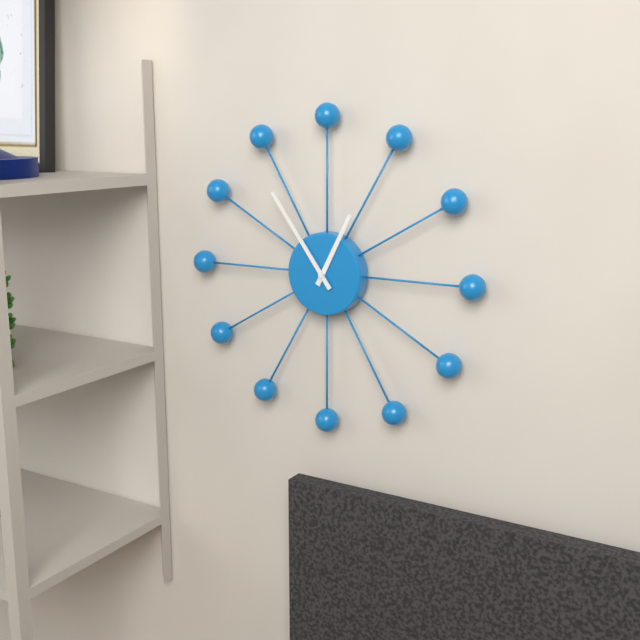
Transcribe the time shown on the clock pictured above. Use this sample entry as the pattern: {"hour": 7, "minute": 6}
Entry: {"hour": 12, "minute": 54}
